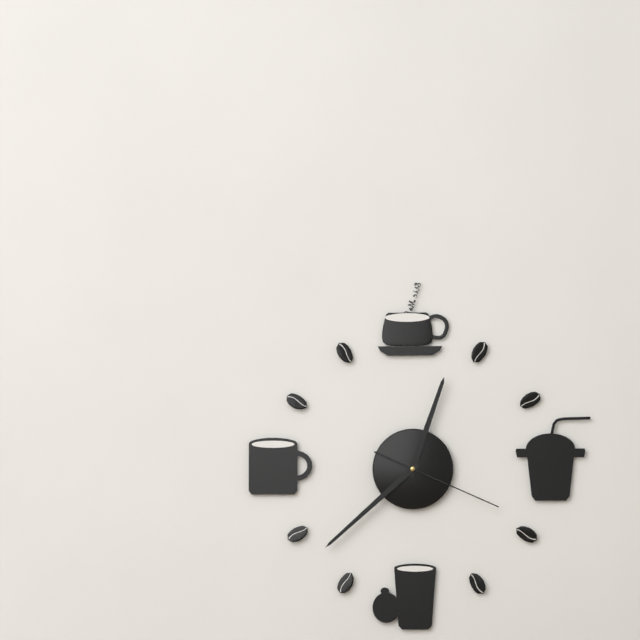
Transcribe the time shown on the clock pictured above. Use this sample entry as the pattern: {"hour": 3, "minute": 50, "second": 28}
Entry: {"hour": 12, "minute": 38, "second": 19}
